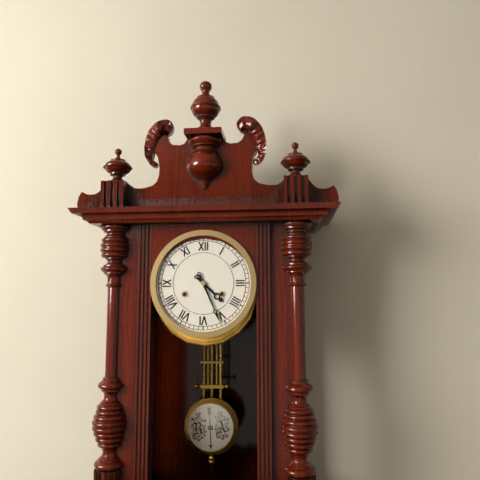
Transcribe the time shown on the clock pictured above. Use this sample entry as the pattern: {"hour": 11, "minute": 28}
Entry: {"hour": 4, "minute": 26}
